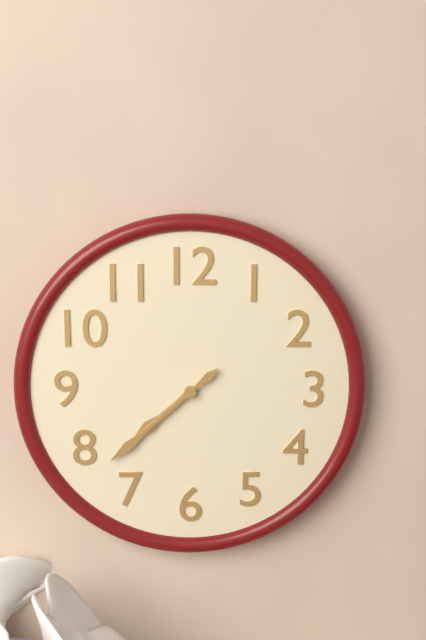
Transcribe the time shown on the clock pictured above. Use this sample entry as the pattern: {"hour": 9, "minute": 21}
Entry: {"hour": 7, "minute": 38}
